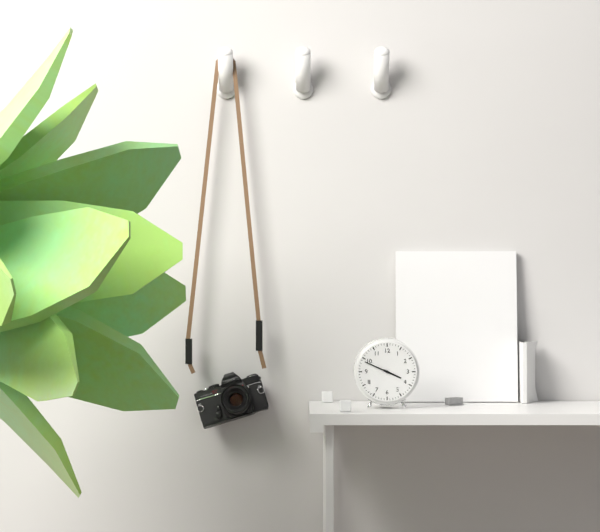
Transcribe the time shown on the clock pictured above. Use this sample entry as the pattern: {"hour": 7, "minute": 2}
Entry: {"hour": 3, "minute": 49}
